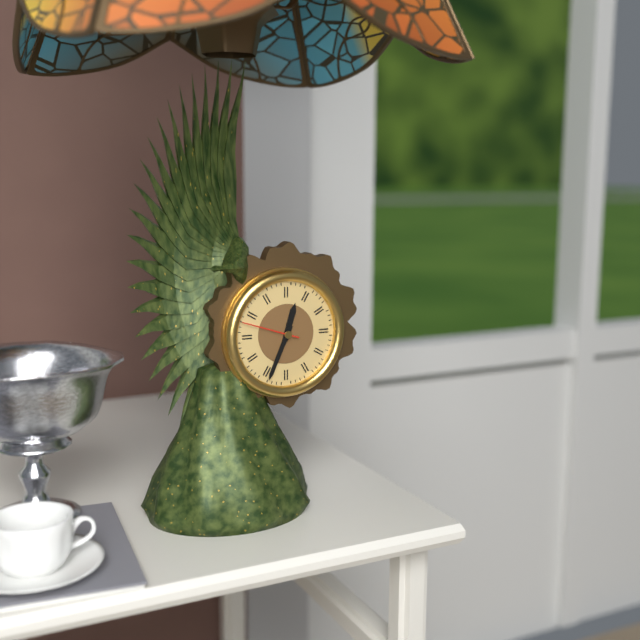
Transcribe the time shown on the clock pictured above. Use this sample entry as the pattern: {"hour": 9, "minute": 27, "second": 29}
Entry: {"hour": 12, "minute": 34, "second": 48}
